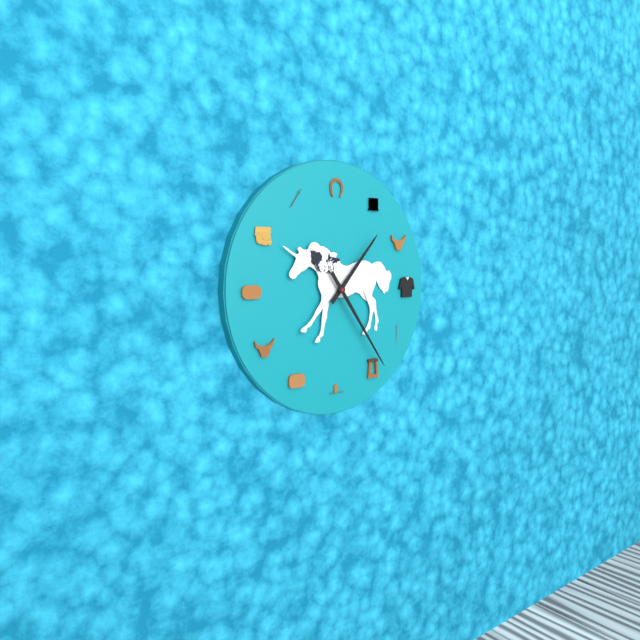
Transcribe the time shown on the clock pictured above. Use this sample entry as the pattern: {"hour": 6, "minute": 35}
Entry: {"hour": 1, "minute": 24}
